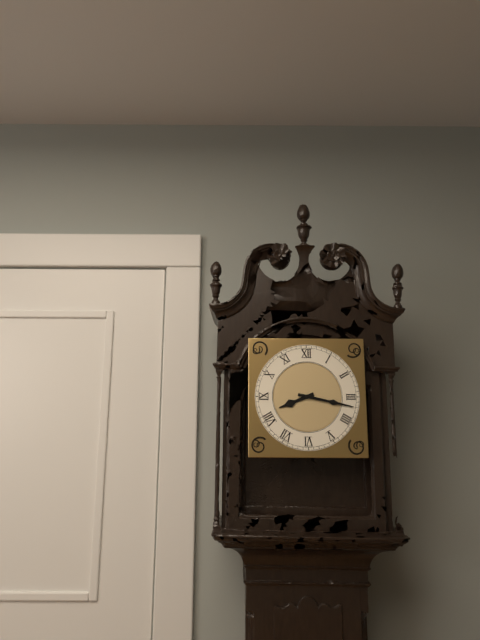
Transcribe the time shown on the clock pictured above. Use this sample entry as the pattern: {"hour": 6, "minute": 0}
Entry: {"hour": 8, "minute": 17}
